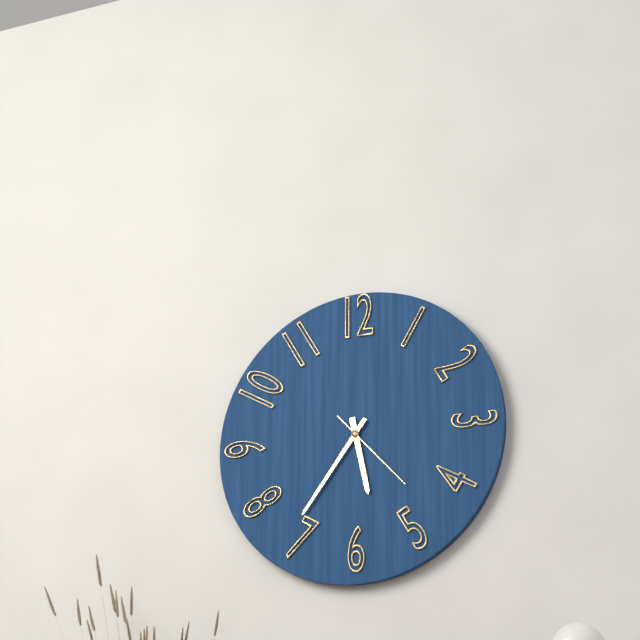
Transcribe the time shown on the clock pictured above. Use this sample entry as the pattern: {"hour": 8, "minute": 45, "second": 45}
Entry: {"hour": 5, "minute": 36, "second": 23}
